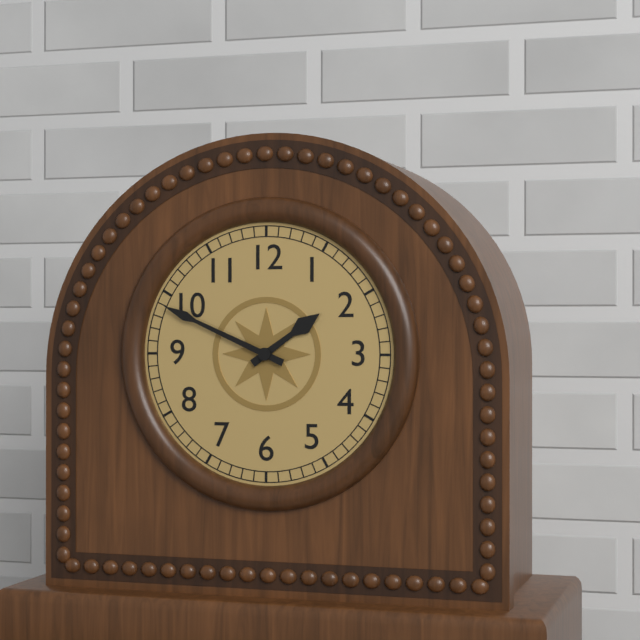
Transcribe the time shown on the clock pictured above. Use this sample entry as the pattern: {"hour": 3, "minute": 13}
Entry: {"hour": 1, "minute": 49}
